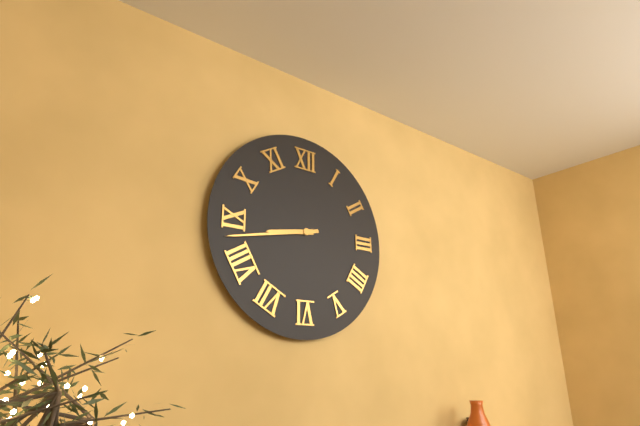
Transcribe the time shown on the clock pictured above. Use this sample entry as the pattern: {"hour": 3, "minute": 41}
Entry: {"hour": 8, "minute": 43}
